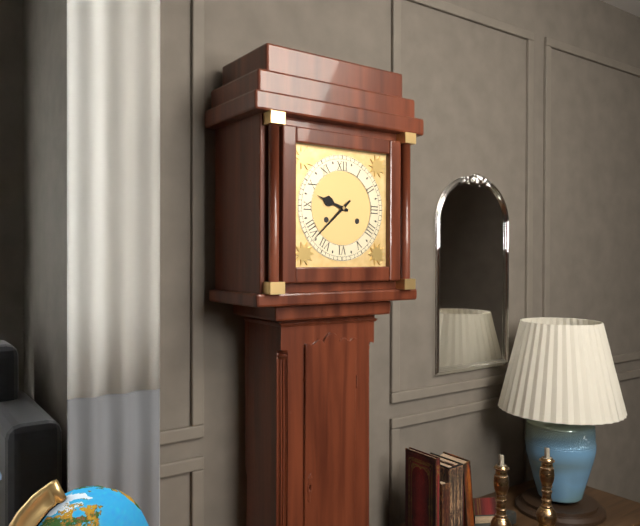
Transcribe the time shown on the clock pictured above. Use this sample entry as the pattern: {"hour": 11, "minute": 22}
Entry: {"hour": 9, "minute": 38}
